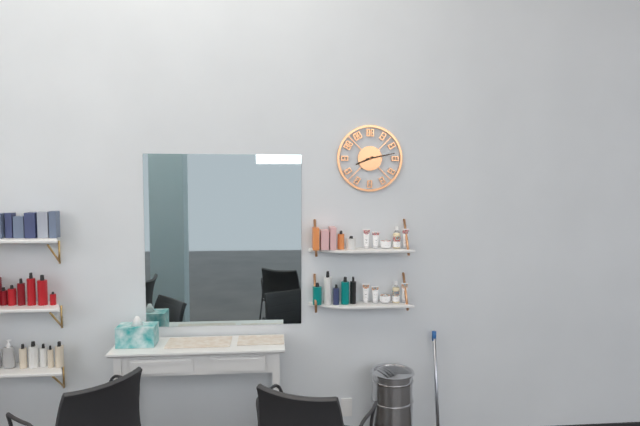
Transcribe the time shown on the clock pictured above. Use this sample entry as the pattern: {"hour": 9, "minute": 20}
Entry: {"hour": 8, "minute": 13}
